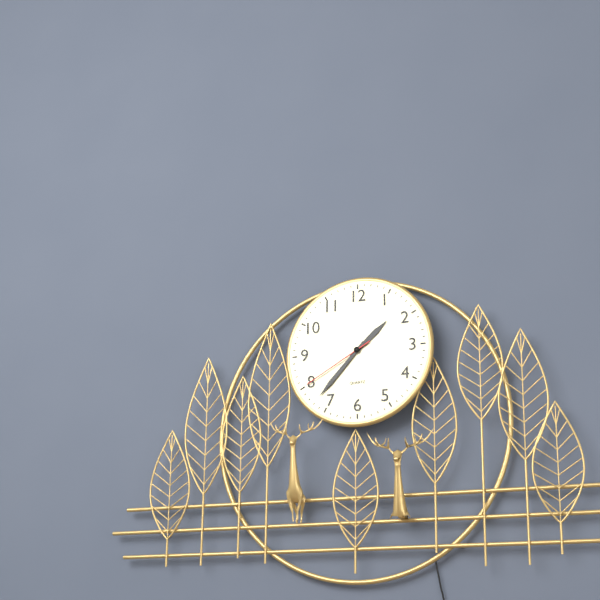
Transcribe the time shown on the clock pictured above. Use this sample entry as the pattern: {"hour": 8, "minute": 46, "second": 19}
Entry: {"hour": 1, "minute": 37, "second": 40}
